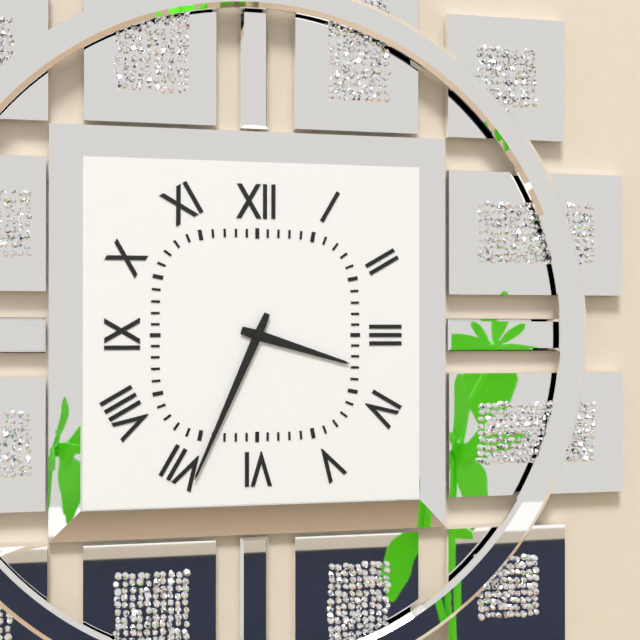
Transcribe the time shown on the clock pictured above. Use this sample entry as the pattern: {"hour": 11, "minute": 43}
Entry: {"hour": 3, "minute": 34}
